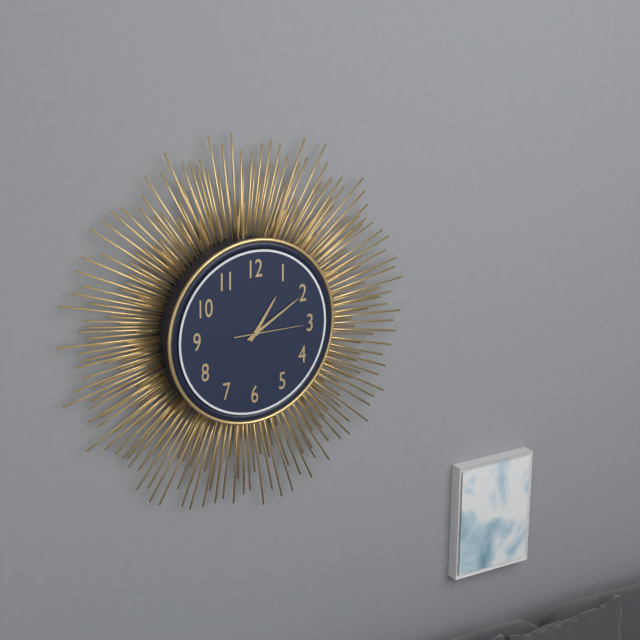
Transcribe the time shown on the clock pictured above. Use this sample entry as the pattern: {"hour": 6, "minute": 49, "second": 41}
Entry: {"hour": 1, "minute": 10, "second": 15}
